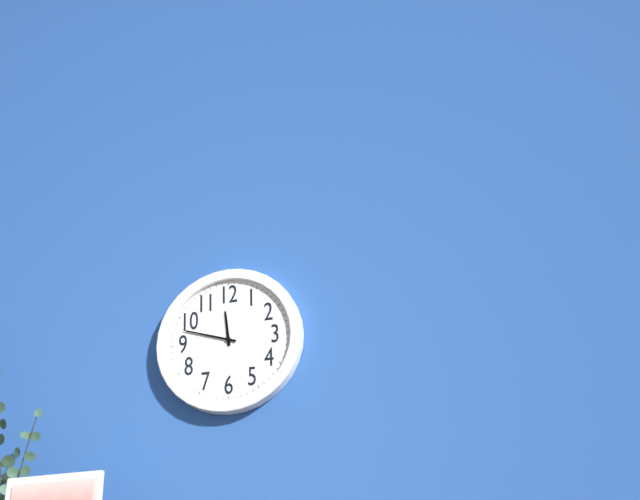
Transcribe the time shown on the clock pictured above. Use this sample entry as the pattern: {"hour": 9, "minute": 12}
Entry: {"hour": 11, "minute": 48}
